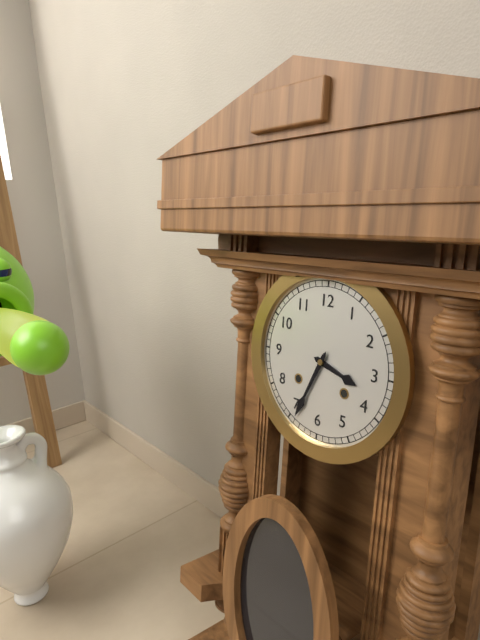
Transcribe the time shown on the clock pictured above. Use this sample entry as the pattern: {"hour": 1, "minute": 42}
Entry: {"hour": 3, "minute": 34}
